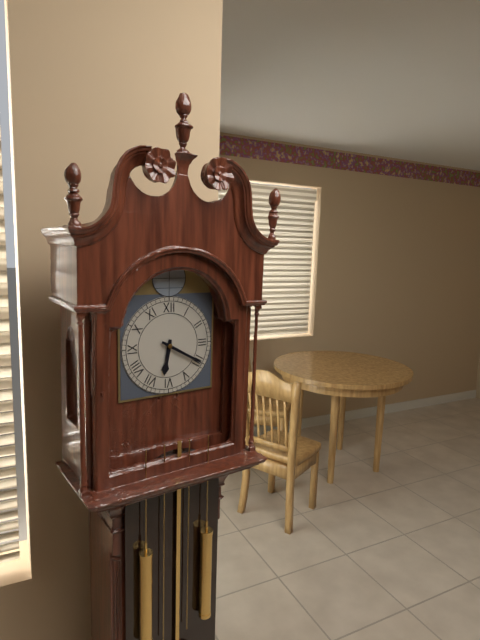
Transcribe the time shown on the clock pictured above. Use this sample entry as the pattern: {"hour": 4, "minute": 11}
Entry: {"hour": 6, "minute": 20}
